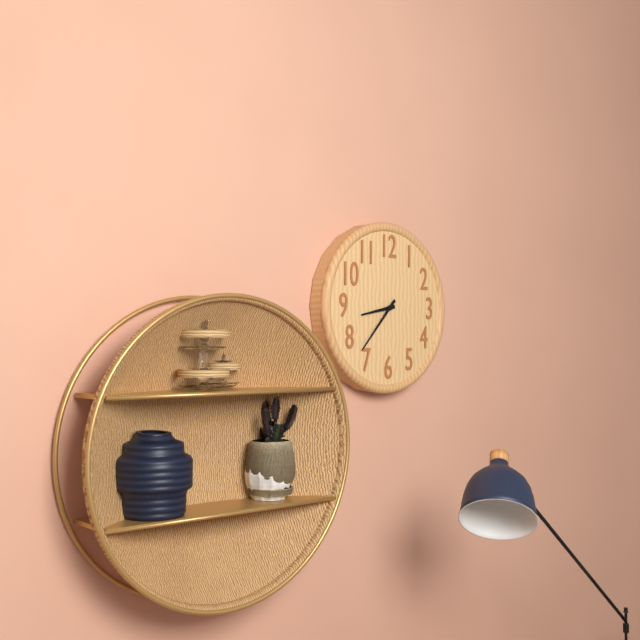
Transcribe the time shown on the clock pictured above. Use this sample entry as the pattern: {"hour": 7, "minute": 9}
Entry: {"hour": 8, "minute": 37}
